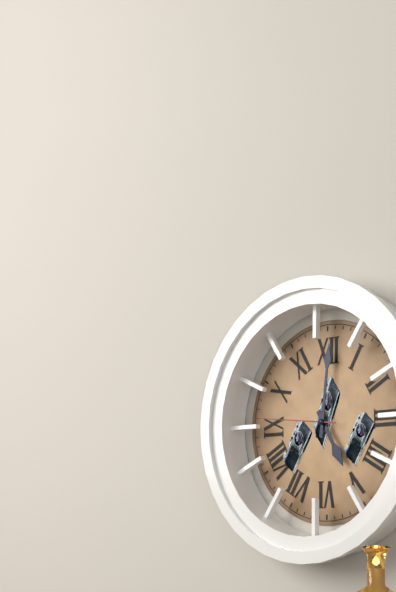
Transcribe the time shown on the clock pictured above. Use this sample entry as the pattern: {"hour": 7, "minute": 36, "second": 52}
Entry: {"hour": 5, "minute": 1, "second": 46}
